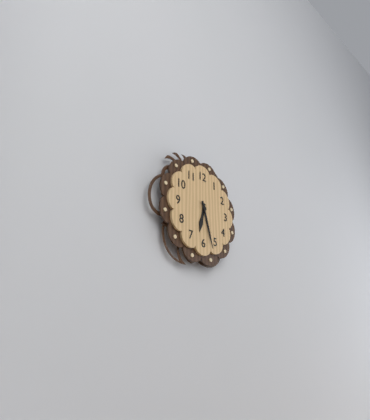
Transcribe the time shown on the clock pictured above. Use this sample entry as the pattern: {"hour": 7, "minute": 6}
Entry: {"hour": 6, "minute": 27}
